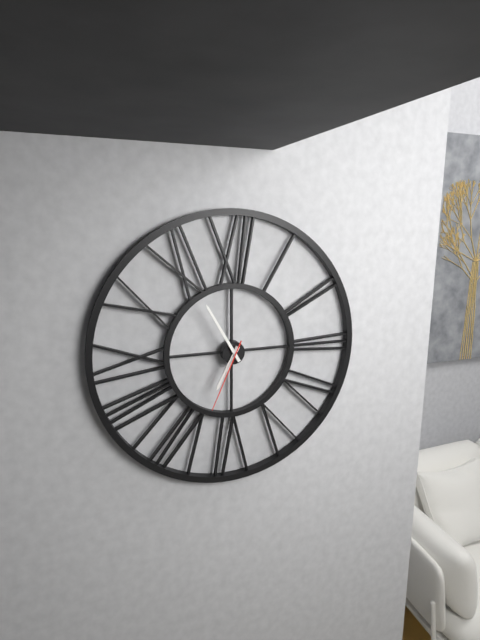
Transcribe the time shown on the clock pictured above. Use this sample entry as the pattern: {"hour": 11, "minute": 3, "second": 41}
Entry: {"hour": 6, "minute": 55, "second": 34}
